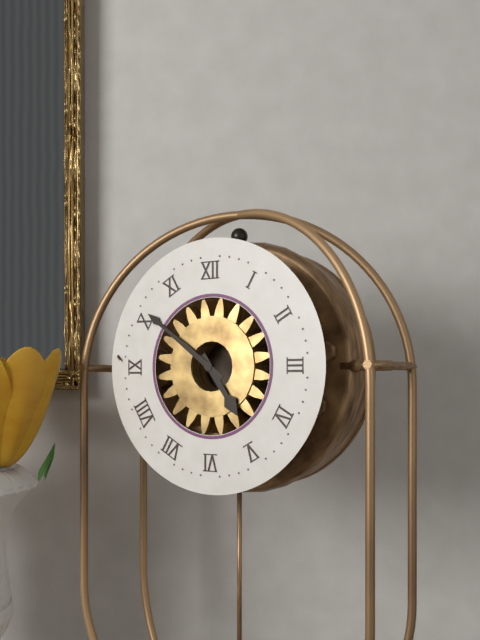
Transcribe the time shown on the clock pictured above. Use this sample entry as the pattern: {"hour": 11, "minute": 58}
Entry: {"hour": 4, "minute": 51}
